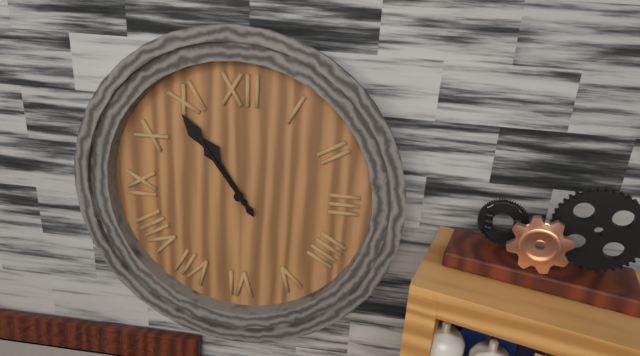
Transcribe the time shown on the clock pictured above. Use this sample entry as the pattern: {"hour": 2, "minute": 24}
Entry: {"hour": 10, "minute": 54}
